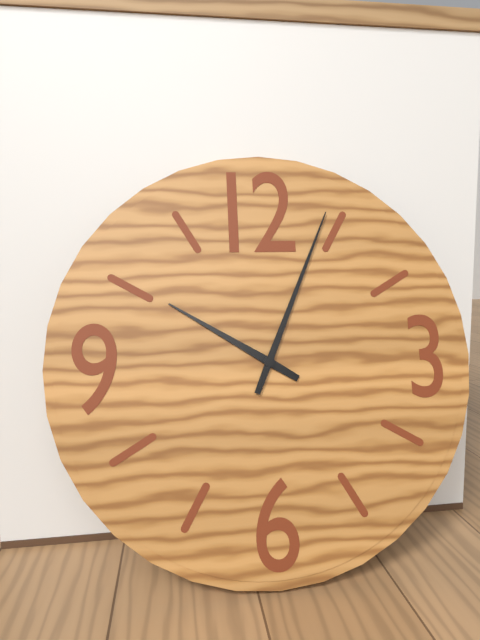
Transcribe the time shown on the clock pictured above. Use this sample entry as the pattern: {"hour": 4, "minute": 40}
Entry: {"hour": 10, "minute": 4}
